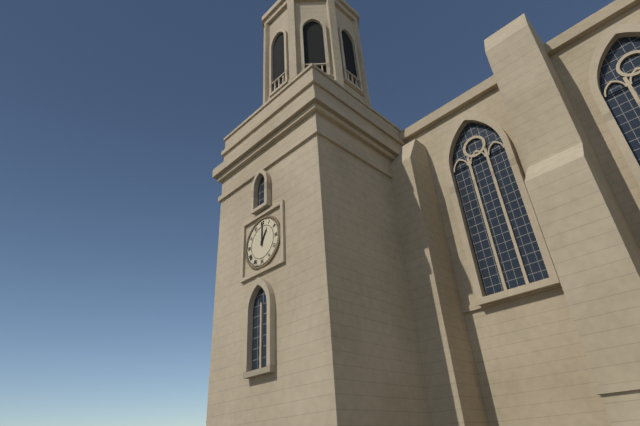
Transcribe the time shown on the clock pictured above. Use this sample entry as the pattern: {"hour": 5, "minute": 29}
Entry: {"hour": 1, "minute": 0}
